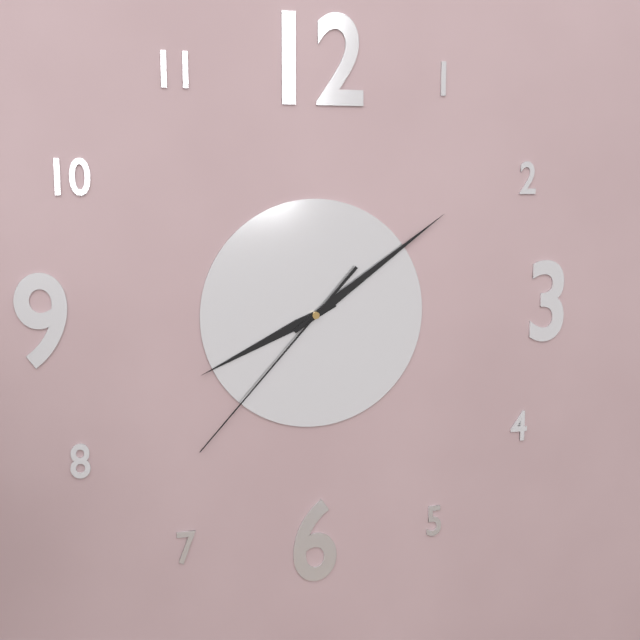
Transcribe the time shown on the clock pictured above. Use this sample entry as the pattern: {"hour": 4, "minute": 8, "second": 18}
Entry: {"hour": 8, "minute": 9, "second": 37}
